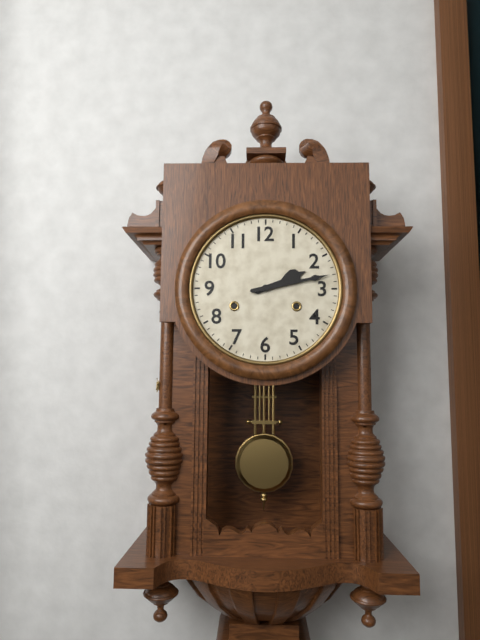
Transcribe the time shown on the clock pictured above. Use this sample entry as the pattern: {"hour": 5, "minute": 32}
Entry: {"hour": 2, "minute": 13}
